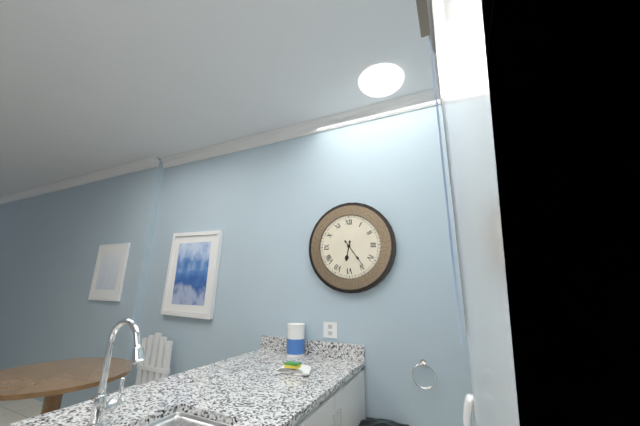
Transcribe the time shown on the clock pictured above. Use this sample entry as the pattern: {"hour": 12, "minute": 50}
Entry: {"hour": 6, "minute": 24}
